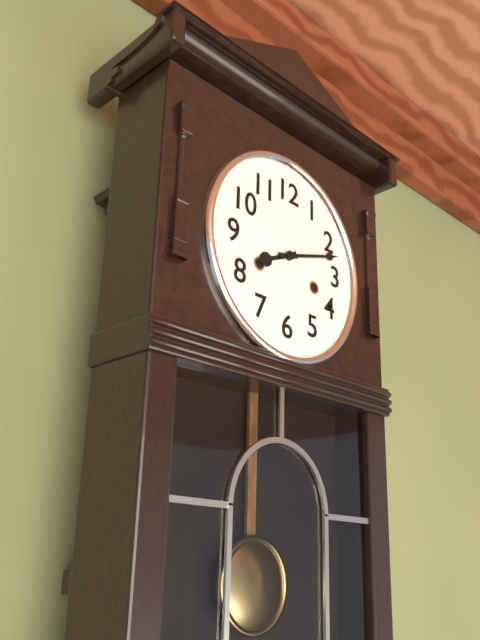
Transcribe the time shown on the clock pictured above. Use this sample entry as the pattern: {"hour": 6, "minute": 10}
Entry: {"hour": 8, "minute": 12}
